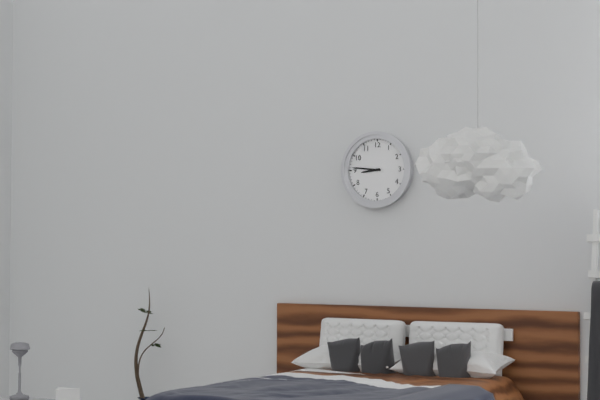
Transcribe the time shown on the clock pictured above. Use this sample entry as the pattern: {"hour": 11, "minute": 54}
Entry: {"hour": 8, "minute": 46}
